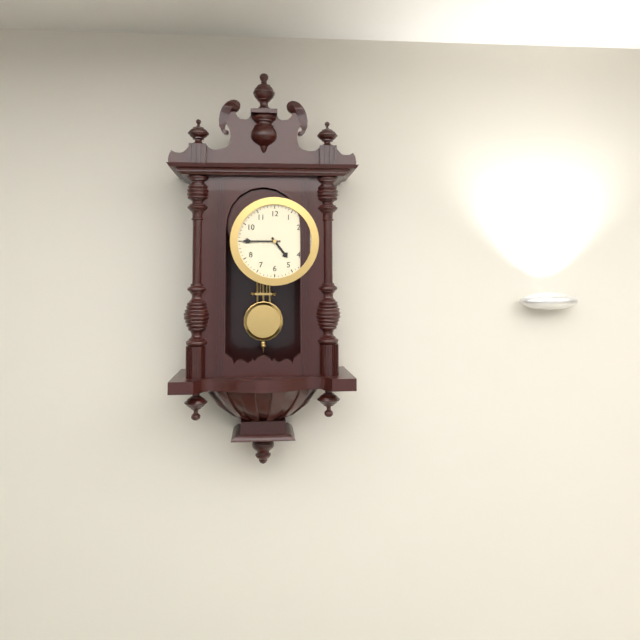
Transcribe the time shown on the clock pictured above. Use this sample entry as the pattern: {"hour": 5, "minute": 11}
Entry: {"hour": 4, "minute": 45}
